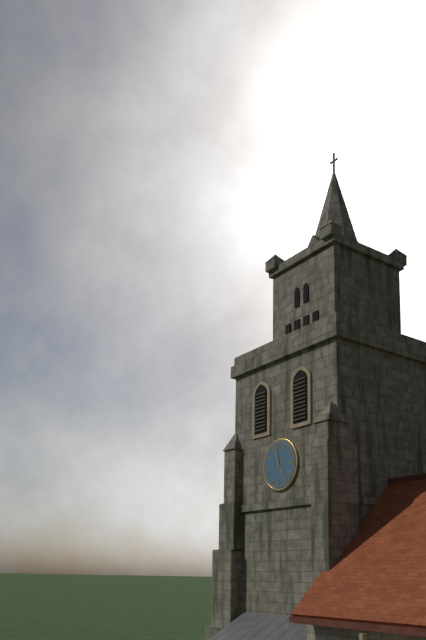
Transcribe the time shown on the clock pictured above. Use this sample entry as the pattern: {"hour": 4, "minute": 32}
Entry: {"hour": 4, "minute": 58}
